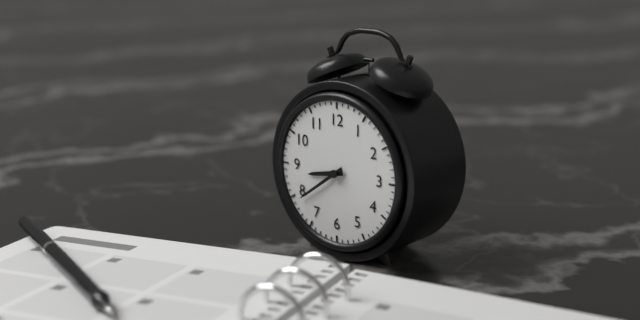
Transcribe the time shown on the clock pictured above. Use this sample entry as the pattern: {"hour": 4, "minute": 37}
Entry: {"hour": 8, "minute": 39}
